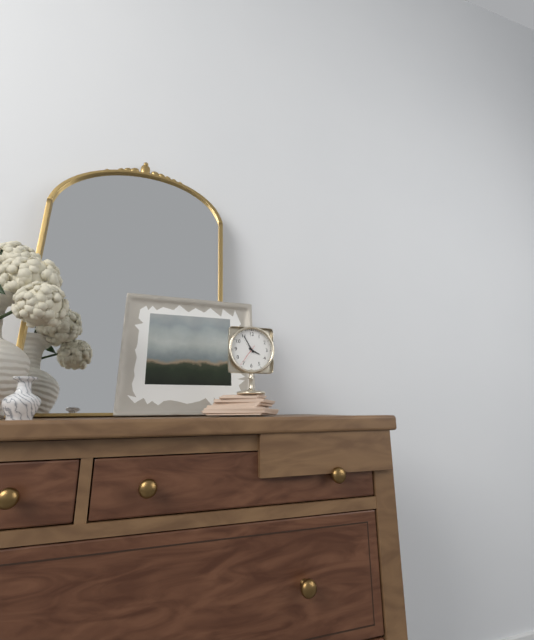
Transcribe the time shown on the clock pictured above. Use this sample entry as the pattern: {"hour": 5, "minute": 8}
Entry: {"hour": 3, "minute": 55}
